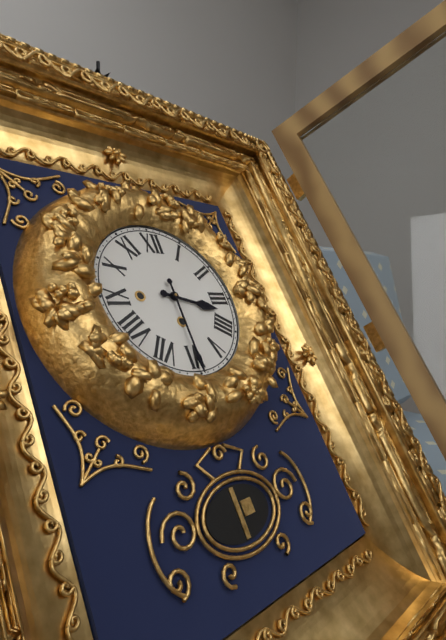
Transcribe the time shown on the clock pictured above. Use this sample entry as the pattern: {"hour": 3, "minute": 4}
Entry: {"hour": 3, "minute": 30}
